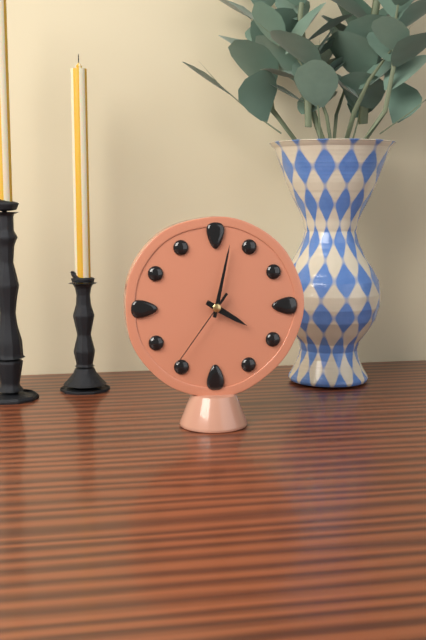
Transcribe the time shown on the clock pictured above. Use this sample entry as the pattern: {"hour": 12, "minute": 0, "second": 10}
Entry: {"hour": 4, "minute": 2, "second": 36}
